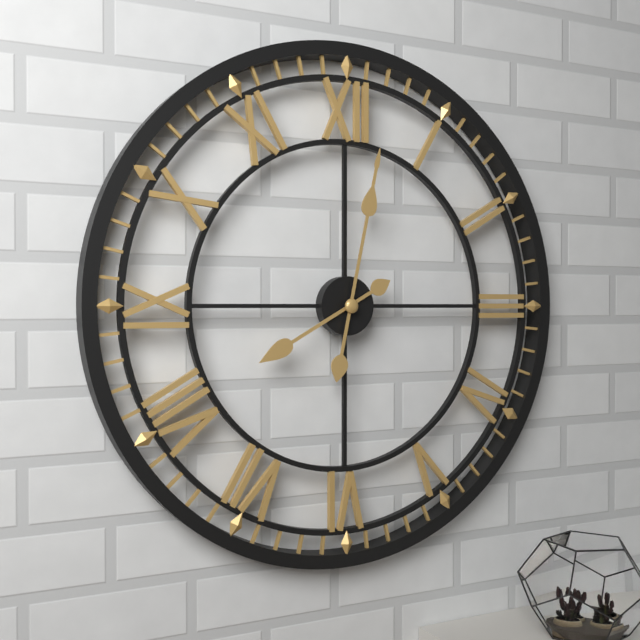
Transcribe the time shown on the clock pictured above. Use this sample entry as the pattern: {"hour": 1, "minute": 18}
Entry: {"hour": 8, "minute": 2}
